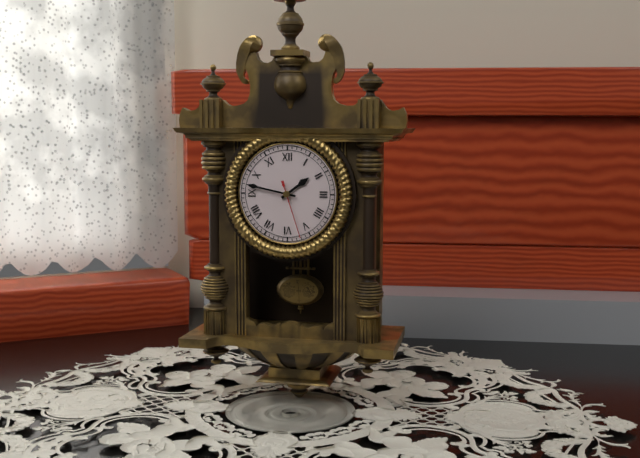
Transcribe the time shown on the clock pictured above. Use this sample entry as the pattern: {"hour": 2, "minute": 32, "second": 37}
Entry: {"hour": 1, "minute": 47, "second": 27}
